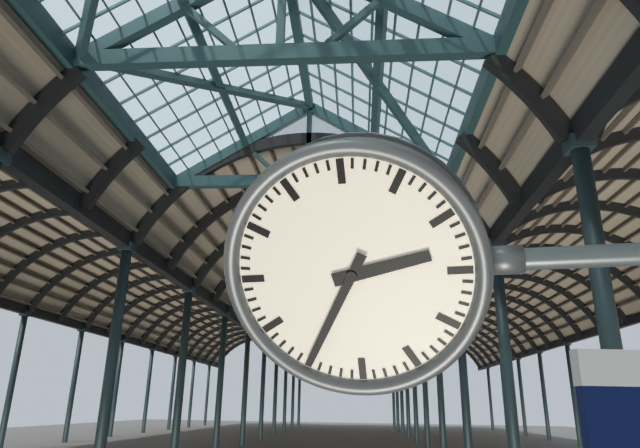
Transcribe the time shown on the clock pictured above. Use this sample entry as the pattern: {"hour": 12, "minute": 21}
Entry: {"hour": 2, "minute": 35}
